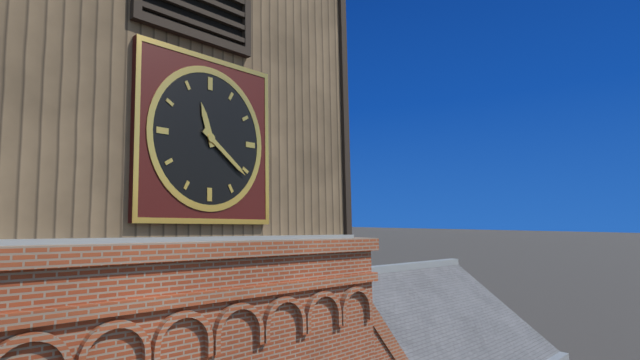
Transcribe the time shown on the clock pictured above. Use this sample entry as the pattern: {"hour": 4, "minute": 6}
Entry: {"hour": 11, "minute": 21}
